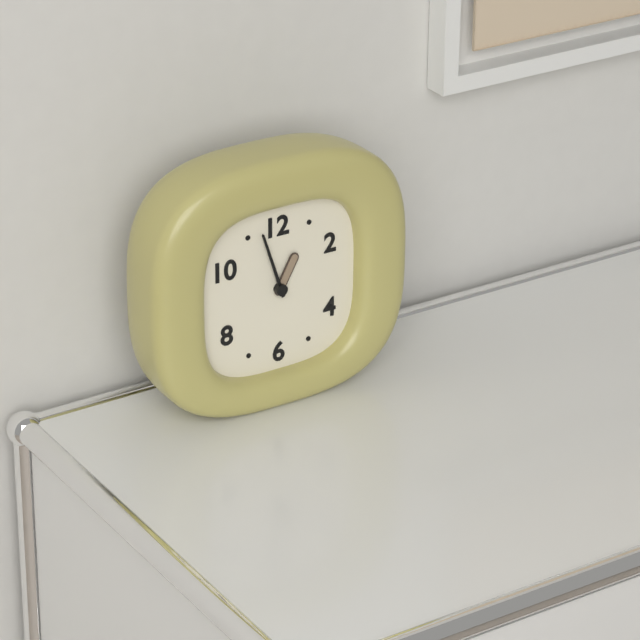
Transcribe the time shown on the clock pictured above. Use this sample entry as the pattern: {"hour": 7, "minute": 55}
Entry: {"hour": 12, "minute": 57}
